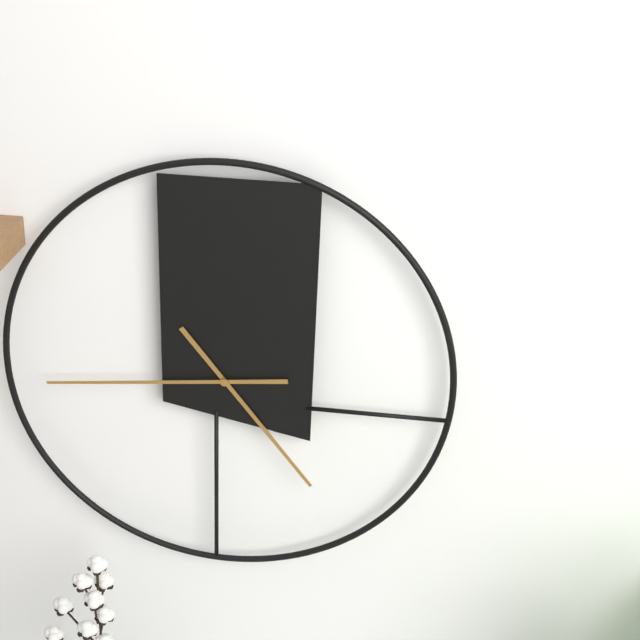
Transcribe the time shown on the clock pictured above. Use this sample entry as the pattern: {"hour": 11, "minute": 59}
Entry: {"hour": 4, "minute": 44}
